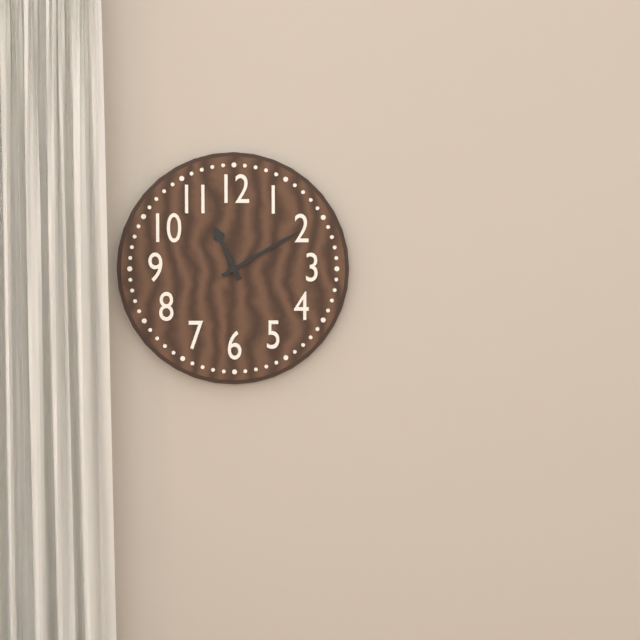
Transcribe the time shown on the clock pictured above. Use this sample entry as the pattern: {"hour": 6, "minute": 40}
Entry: {"hour": 11, "minute": 10}
